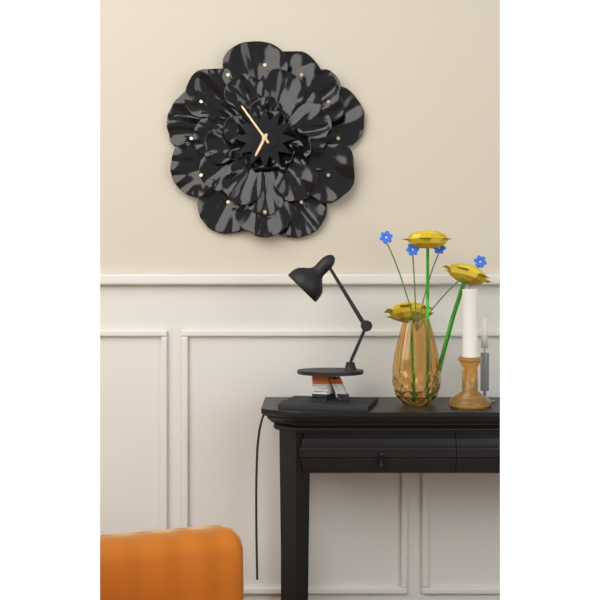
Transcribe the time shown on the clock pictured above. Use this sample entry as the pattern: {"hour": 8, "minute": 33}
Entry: {"hour": 6, "minute": 54}
